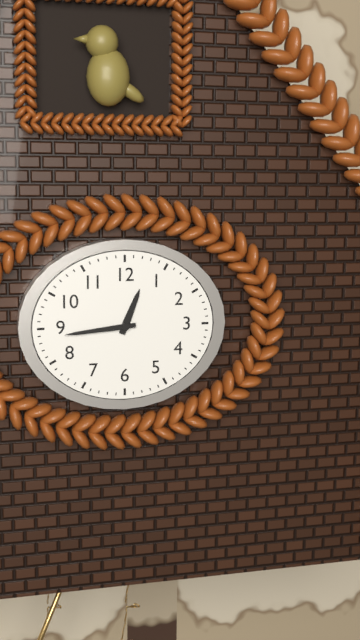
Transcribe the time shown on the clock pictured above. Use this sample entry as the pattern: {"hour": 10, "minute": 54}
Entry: {"hour": 12, "minute": 44}
